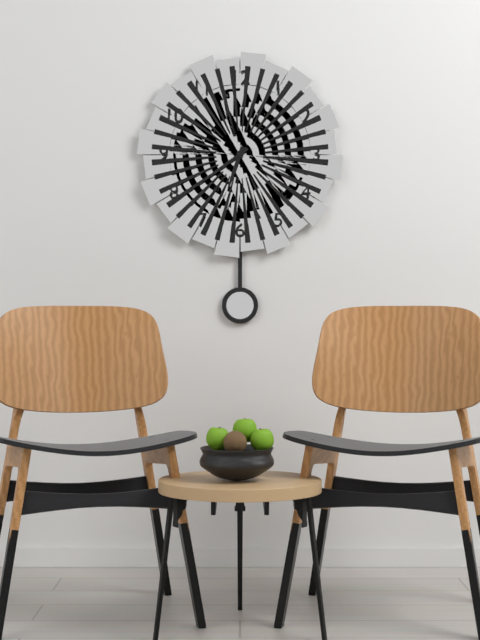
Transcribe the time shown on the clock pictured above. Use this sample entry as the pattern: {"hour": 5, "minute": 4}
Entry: {"hour": 6, "minute": 39}
